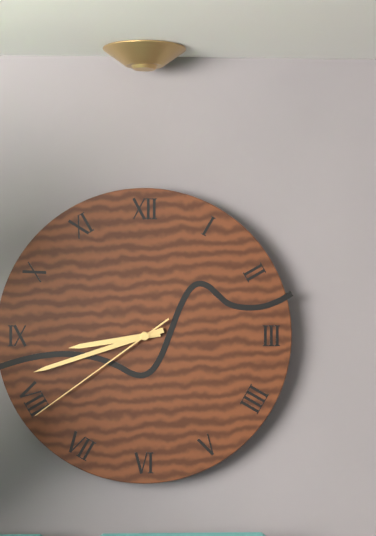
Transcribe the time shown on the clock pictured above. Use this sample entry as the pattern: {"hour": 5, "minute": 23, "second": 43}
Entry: {"hour": 8, "minute": 42, "second": 39}
